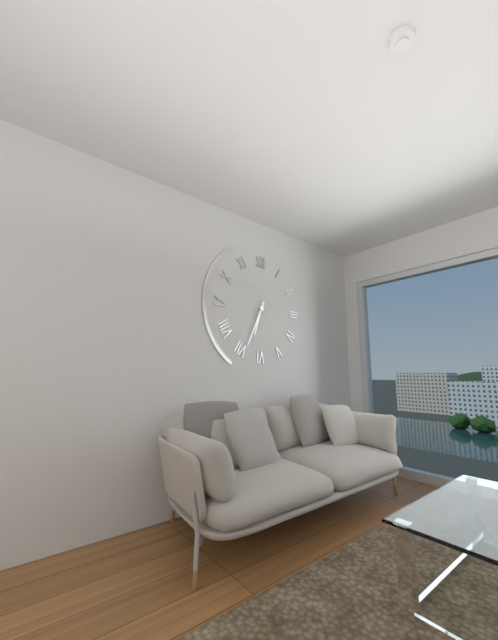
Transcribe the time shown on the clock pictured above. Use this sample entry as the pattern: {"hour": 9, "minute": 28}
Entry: {"hour": 6, "minute": 34}
